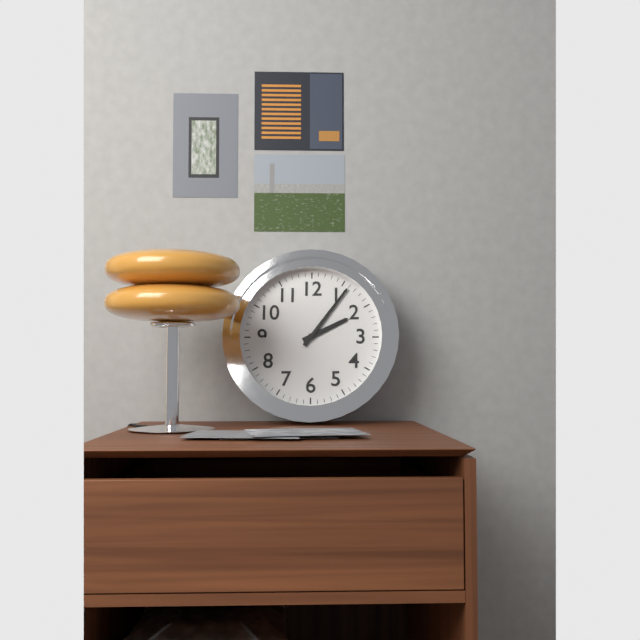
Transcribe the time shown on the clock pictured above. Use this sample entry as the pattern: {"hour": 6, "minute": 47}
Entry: {"hour": 2, "minute": 6}
